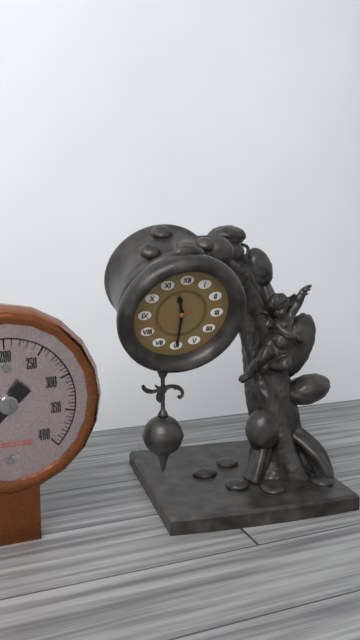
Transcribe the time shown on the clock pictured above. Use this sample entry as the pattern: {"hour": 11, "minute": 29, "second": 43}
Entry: {"hour": 11, "minute": 30, "second": 41}
